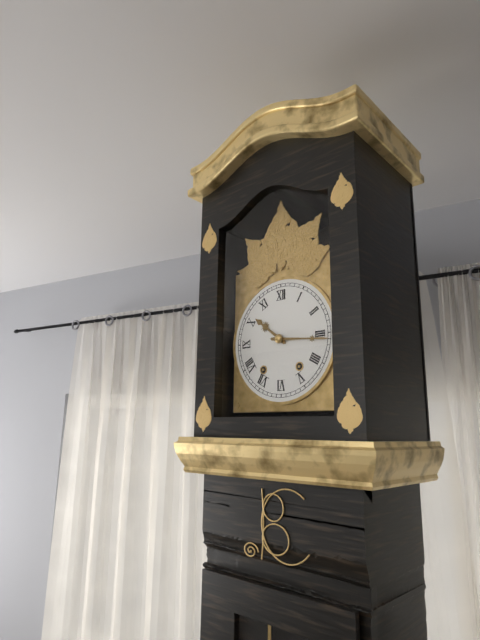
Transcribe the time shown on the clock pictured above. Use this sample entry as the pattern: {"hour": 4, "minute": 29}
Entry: {"hour": 10, "minute": 16}
